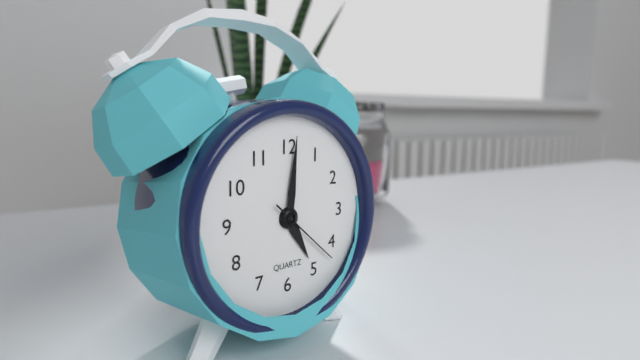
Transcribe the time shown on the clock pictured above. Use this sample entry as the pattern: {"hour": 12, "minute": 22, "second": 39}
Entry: {"hour": 5, "minute": 1, "second": 22}
